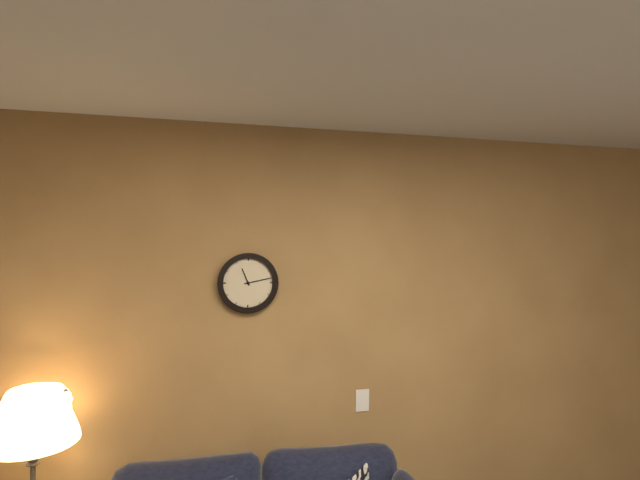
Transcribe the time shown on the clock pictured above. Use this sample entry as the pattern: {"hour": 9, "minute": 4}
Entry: {"hour": 11, "minute": 13}
